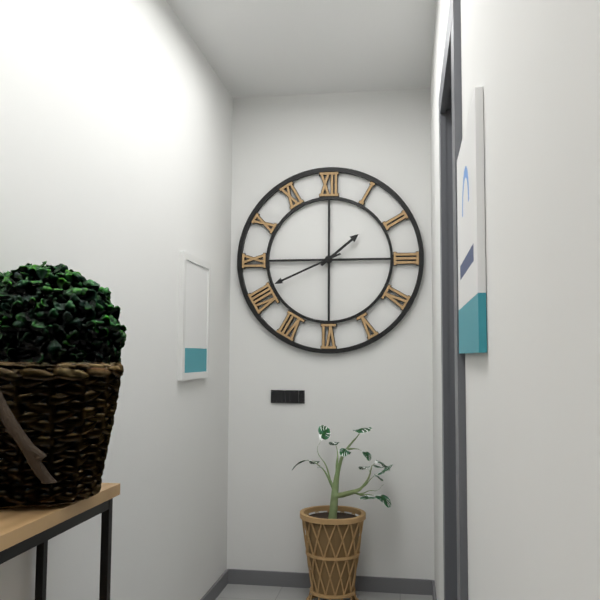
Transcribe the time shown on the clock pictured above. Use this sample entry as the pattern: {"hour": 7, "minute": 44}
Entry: {"hour": 1, "minute": 41}
